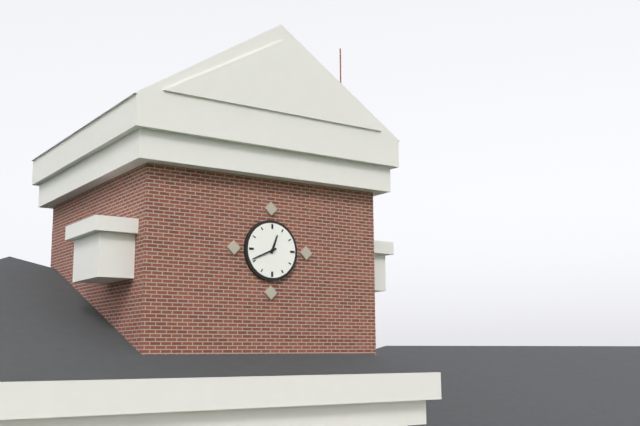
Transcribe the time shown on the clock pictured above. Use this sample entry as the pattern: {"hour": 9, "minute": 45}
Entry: {"hour": 12, "minute": 41}
